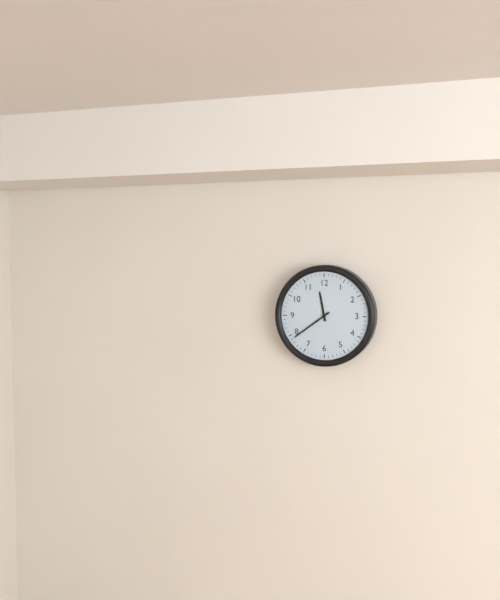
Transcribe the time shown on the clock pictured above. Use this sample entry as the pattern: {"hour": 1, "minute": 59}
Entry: {"hour": 11, "minute": 39}
